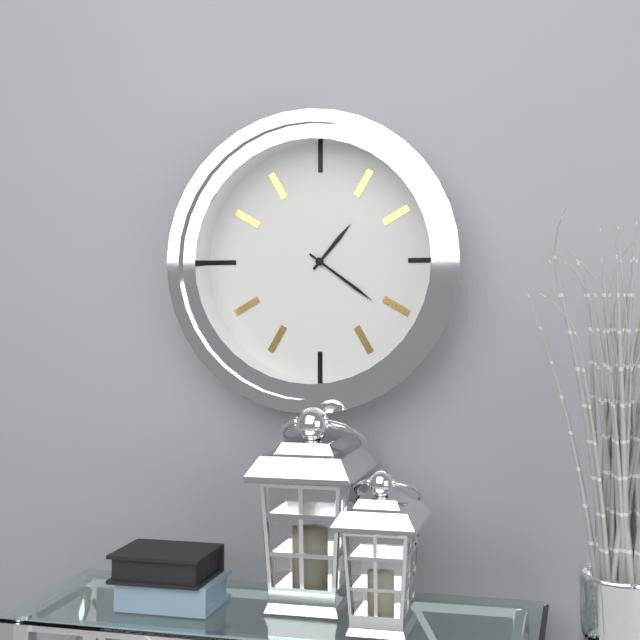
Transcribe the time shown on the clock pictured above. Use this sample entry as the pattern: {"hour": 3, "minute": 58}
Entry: {"hour": 1, "minute": 21}
